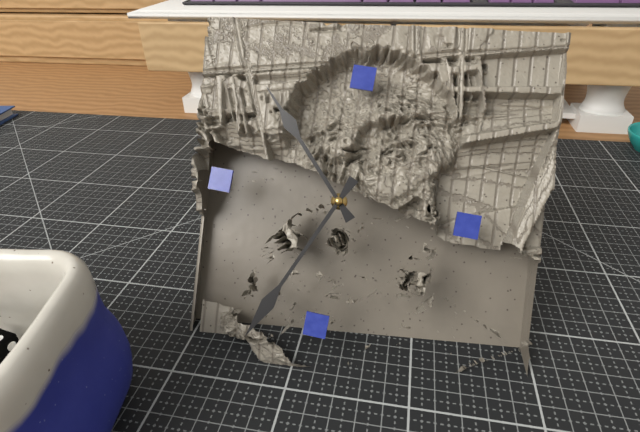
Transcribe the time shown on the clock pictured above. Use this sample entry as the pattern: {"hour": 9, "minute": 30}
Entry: {"hour": 10, "minute": 34}
